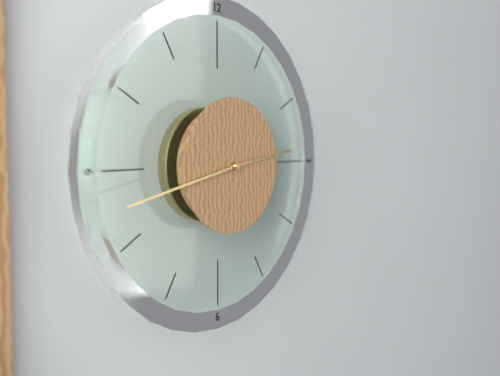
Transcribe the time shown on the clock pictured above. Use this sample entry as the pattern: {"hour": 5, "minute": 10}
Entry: {"hour": 2, "minute": 43}
